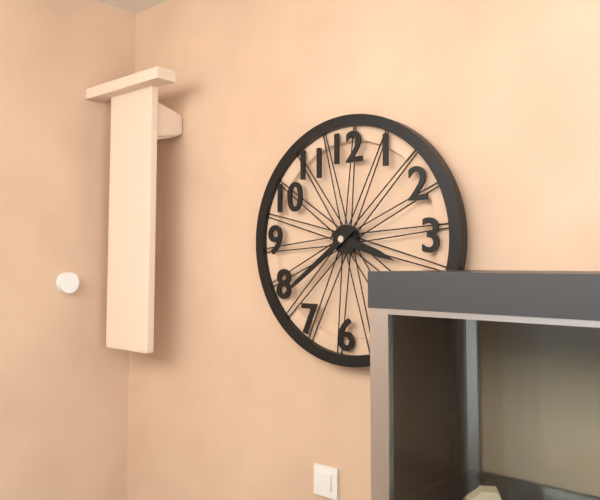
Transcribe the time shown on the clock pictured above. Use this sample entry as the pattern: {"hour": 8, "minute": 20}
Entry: {"hour": 3, "minute": 39}
